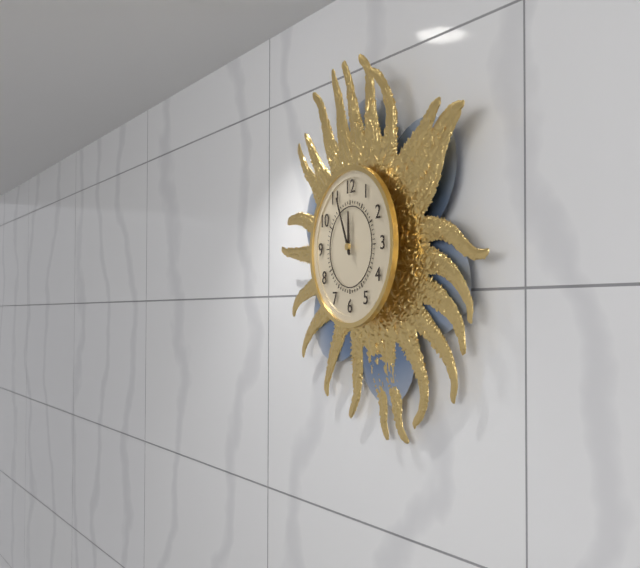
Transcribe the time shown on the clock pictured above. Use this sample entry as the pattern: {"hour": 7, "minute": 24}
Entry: {"hour": 11, "minute": 56}
